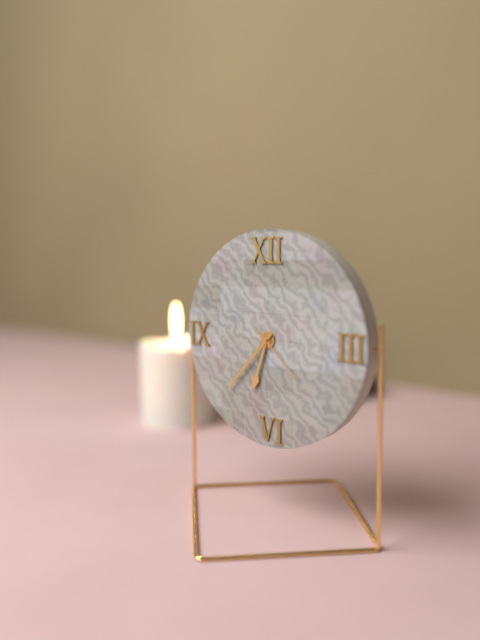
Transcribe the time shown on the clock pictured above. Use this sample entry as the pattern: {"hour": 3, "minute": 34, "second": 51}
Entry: {"hour": 6, "minute": 37, "second": 22}
